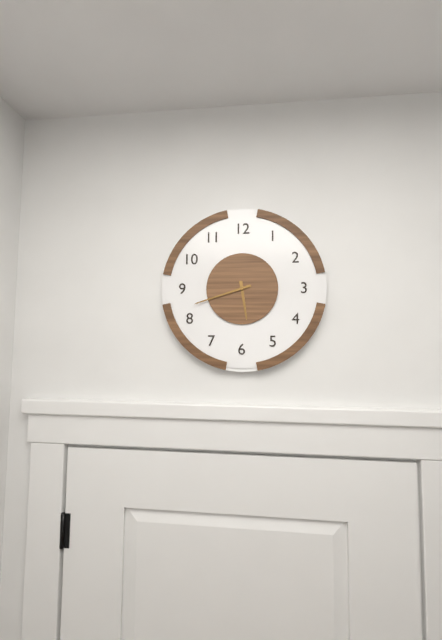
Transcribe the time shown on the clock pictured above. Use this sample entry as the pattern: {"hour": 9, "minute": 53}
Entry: {"hour": 5, "minute": 42}
